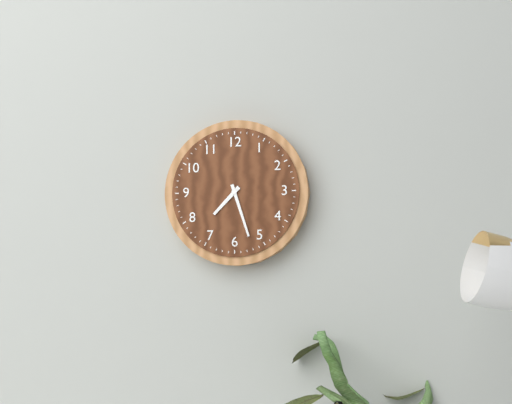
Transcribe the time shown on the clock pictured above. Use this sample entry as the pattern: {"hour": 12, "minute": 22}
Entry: {"hour": 7, "minute": 27}
